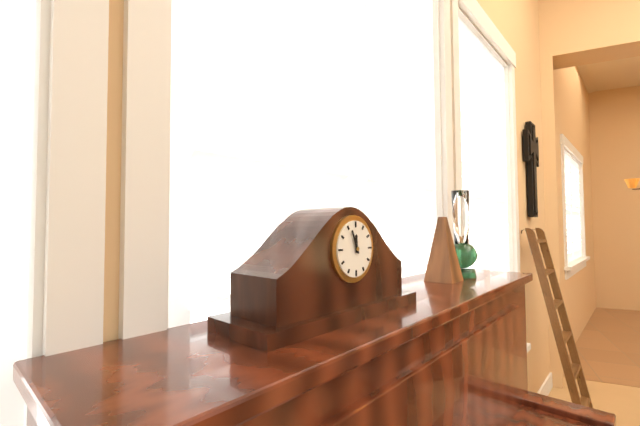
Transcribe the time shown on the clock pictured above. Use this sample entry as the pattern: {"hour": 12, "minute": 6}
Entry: {"hour": 11, "minute": 56}
